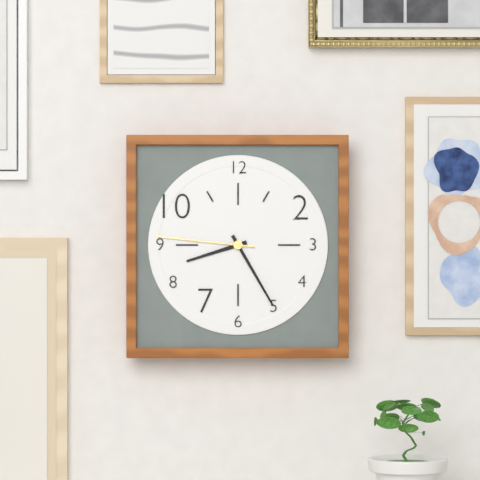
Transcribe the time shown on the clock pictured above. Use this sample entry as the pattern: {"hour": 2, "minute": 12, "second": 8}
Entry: {"hour": 8, "minute": 25, "second": 46}
